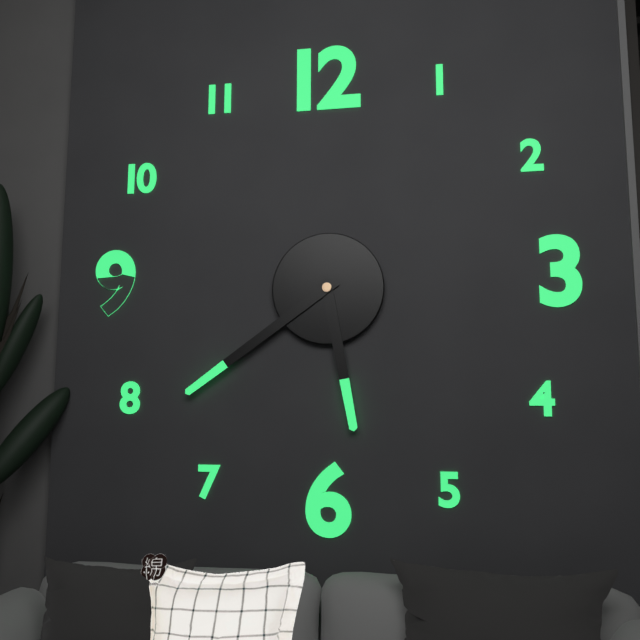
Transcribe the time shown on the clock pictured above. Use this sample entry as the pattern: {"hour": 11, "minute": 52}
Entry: {"hour": 5, "minute": 39}
